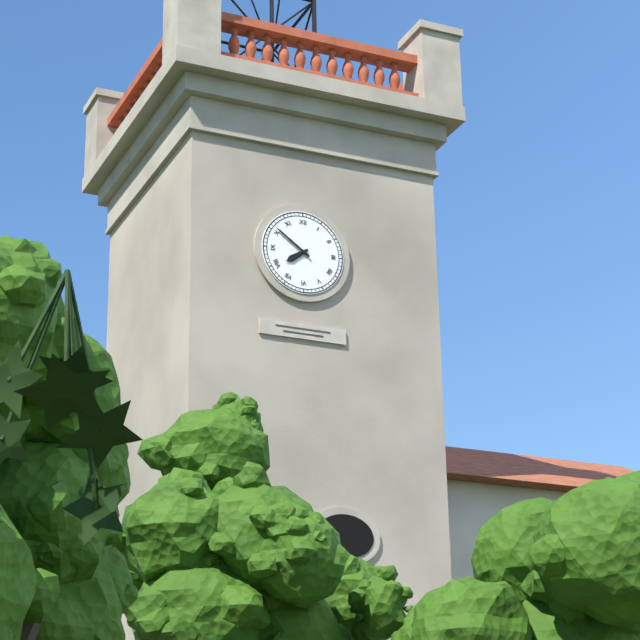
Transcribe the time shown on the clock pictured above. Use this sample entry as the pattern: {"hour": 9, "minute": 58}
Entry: {"hour": 7, "minute": 51}
